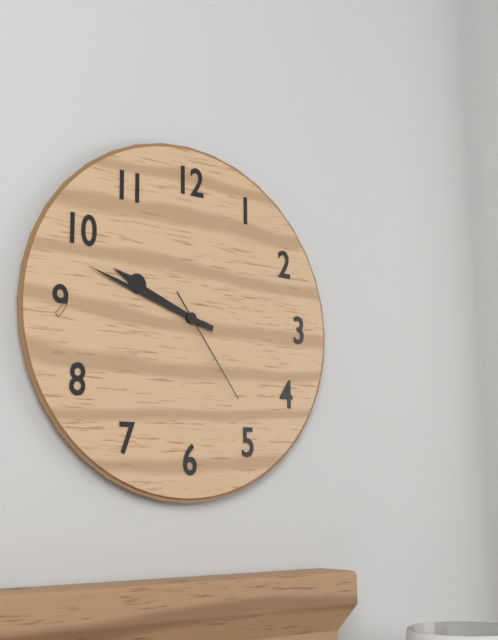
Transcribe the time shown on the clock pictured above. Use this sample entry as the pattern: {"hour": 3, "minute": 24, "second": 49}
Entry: {"hour": 9, "minute": 48, "second": 24}
